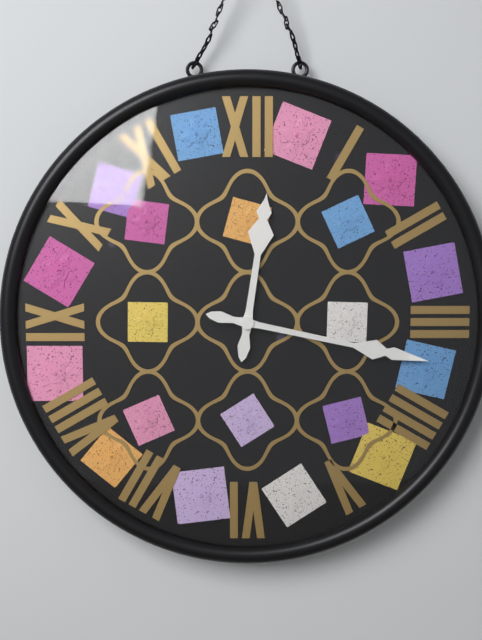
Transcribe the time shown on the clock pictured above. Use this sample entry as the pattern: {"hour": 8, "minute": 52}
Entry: {"hour": 12, "minute": 17}
